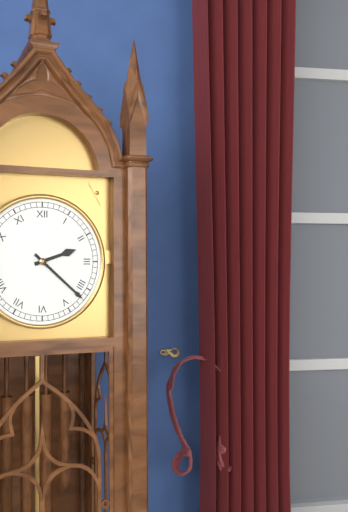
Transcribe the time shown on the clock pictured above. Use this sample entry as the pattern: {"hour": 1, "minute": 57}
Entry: {"hour": 2, "minute": 22}
